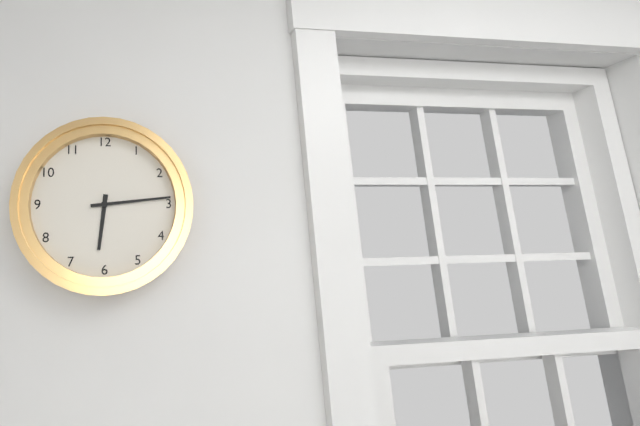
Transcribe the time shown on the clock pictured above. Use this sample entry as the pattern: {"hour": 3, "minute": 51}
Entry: {"hour": 6, "minute": 14}
